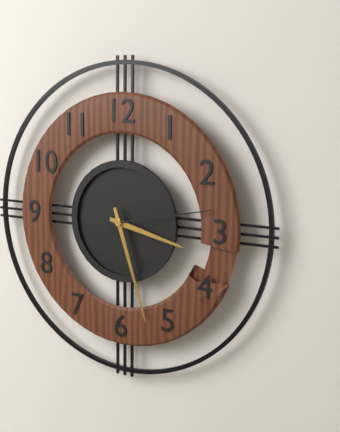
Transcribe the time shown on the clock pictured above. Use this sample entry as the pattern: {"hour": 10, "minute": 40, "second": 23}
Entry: {"hour": 3, "minute": 27, "second": 13}
